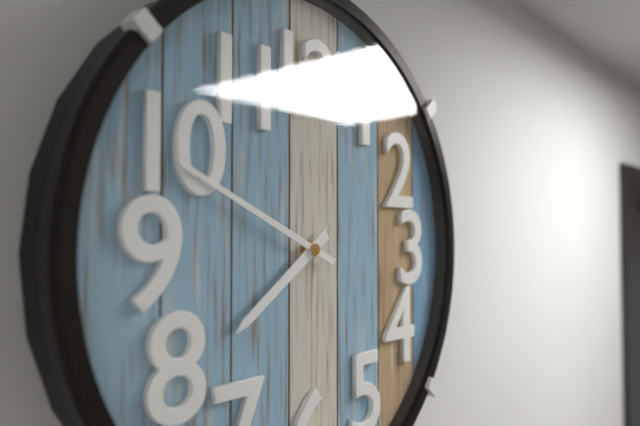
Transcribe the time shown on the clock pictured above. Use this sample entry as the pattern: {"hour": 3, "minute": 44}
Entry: {"hour": 7, "minute": 49}
